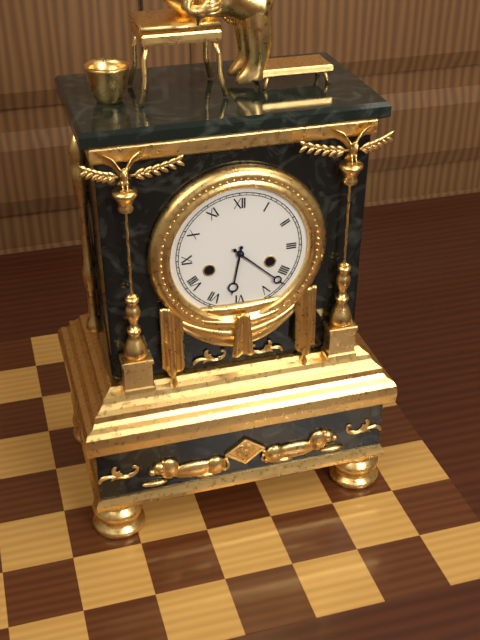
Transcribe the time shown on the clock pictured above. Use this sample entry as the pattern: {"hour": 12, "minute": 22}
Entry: {"hour": 6, "minute": 22}
